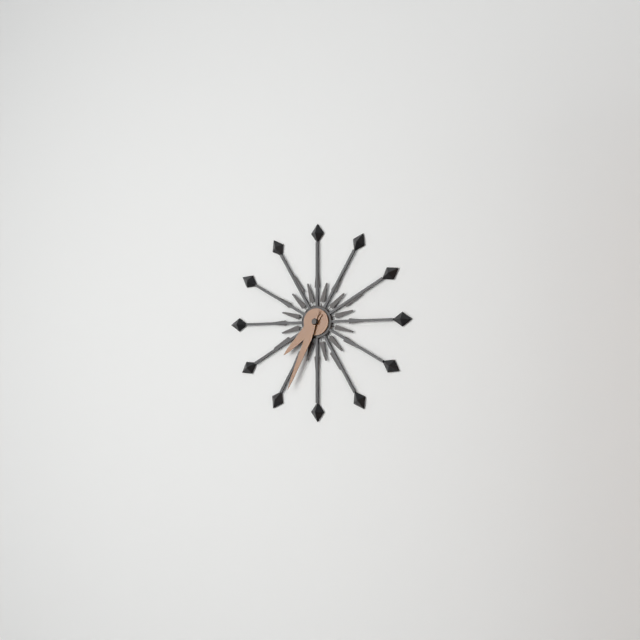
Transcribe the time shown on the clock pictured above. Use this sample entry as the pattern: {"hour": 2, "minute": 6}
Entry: {"hour": 7, "minute": 34}
